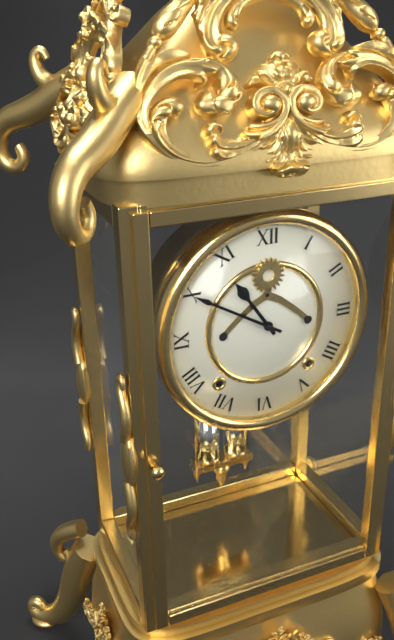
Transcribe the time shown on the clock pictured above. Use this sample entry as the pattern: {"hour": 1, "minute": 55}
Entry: {"hour": 10, "minute": 50}
